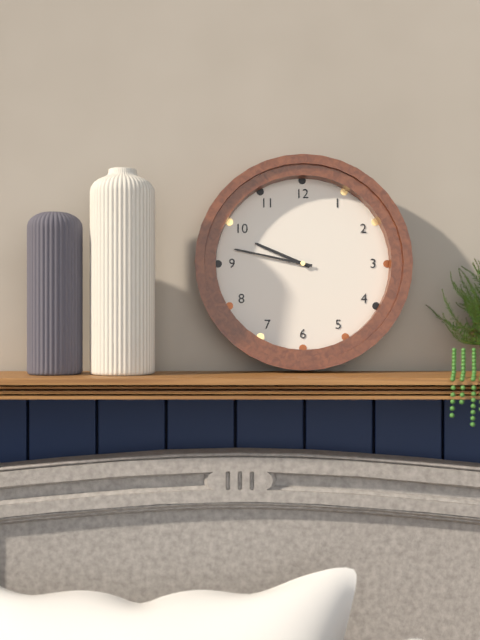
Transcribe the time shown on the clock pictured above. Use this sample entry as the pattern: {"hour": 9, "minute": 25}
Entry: {"hour": 9, "minute": 47}
